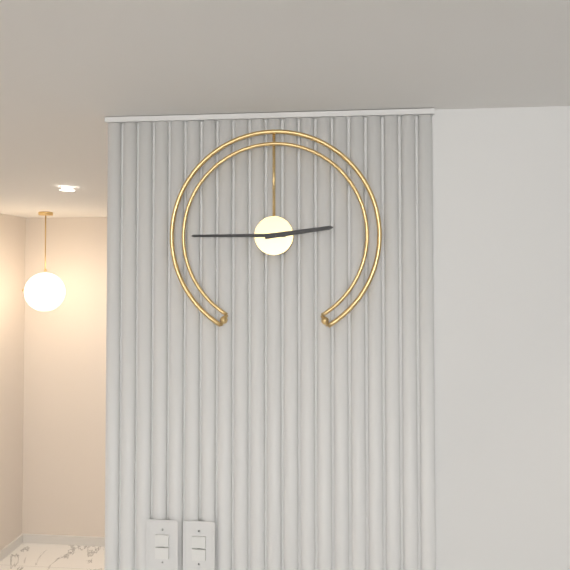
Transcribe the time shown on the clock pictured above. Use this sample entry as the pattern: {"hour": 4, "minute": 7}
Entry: {"hour": 2, "minute": 45}
